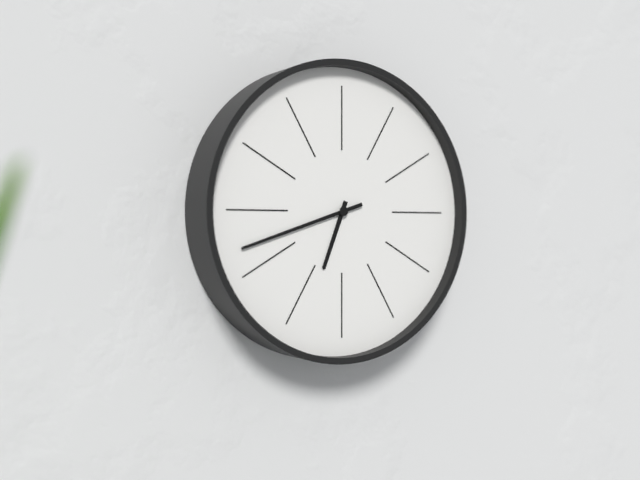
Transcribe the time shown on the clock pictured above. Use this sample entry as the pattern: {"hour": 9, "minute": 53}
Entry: {"hour": 6, "minute": 42}
